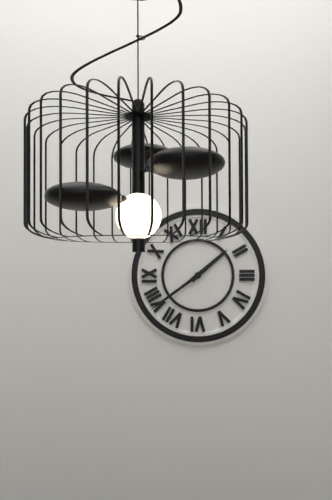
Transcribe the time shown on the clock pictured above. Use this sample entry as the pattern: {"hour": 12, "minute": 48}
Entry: {"hour": 1, "minute": 39}
